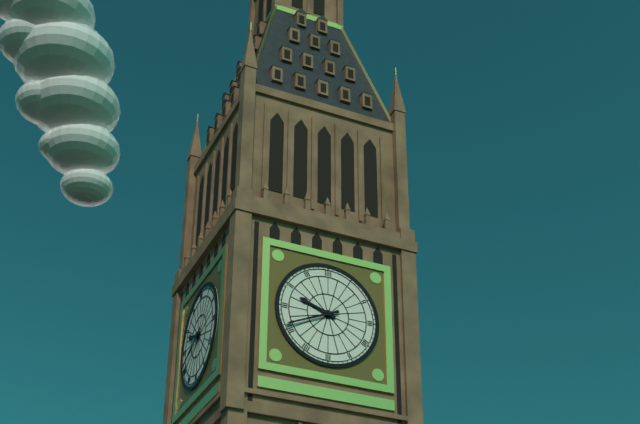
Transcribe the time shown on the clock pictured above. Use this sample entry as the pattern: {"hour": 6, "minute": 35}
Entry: {"hour": 9, "minute": 41}
